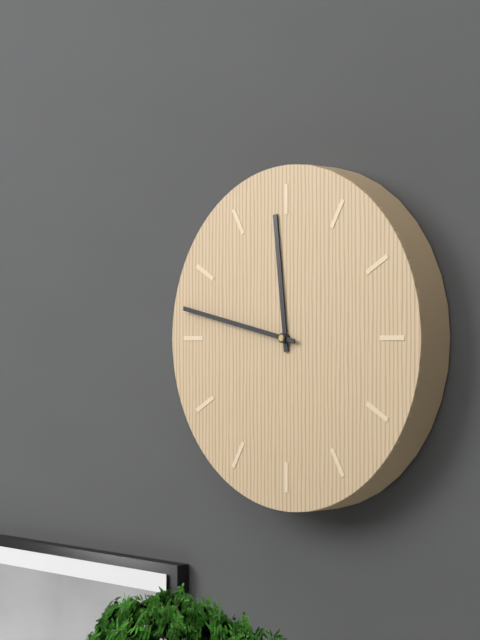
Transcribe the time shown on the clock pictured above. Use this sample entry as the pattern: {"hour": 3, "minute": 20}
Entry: {"hour": 11, "minute": 47}
